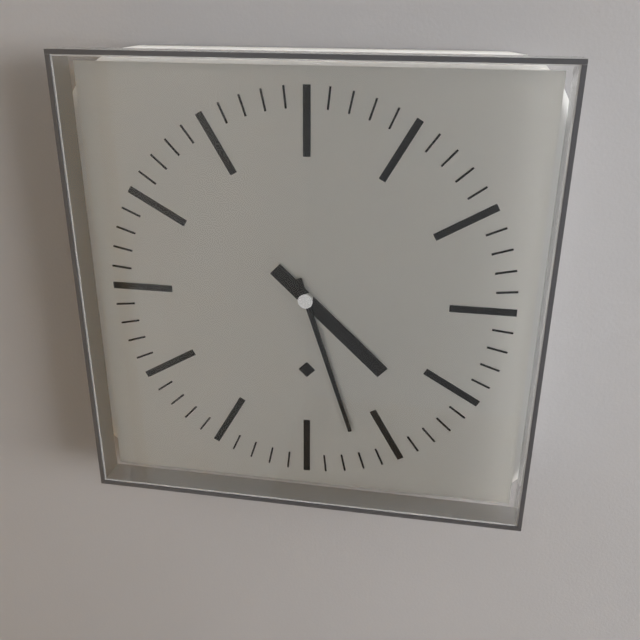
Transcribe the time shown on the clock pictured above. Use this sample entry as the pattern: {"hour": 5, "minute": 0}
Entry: {"hour": 4, "minute": 27}
